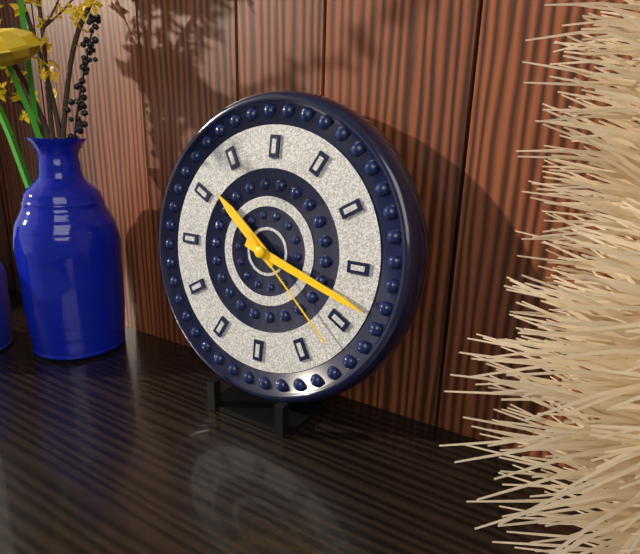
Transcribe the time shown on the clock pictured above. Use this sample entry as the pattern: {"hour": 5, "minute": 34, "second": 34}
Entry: {"hour": 10, "minute": 18, "second": 22}
